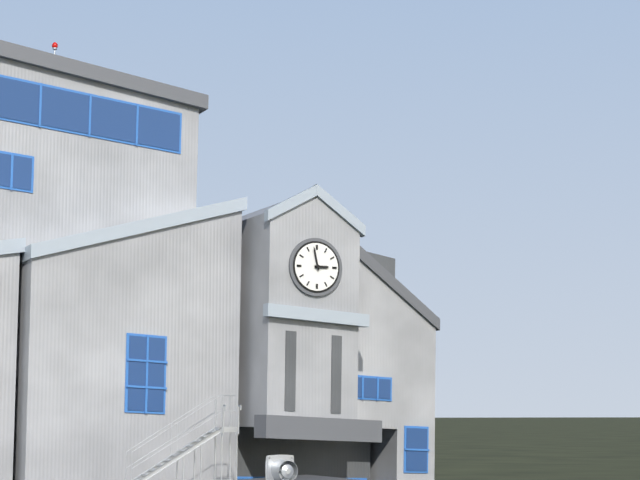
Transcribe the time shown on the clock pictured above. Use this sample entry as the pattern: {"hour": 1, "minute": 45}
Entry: {"hour": 2, "minute": 58}
